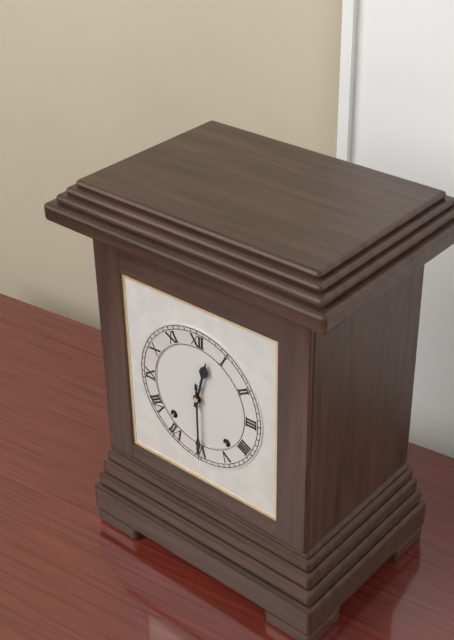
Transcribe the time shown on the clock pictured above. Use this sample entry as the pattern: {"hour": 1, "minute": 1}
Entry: {"hour": 12, "minute": 30}
